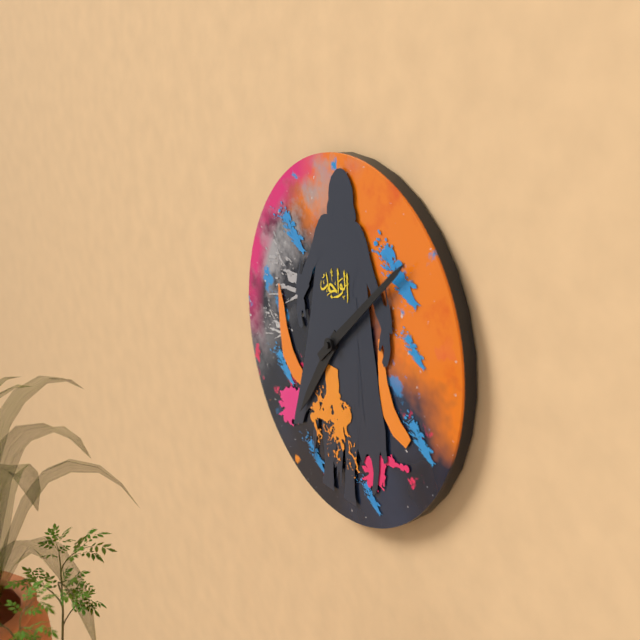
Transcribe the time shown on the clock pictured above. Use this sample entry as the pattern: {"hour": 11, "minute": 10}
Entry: {"hour": 7, "minute": 8}
